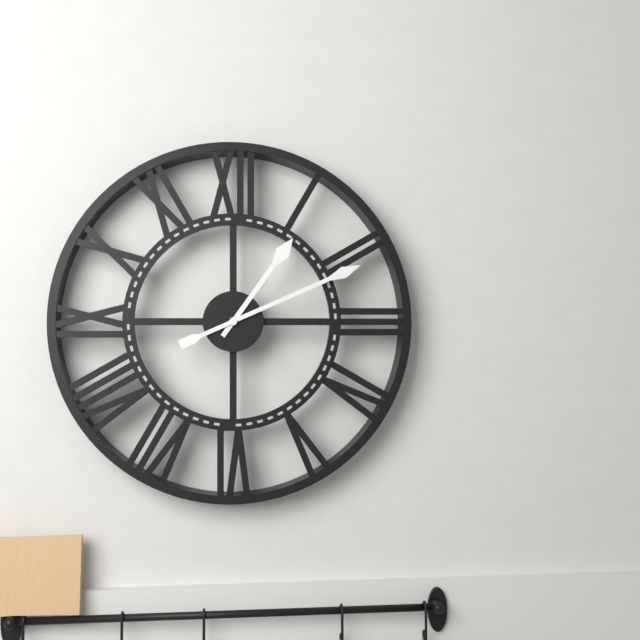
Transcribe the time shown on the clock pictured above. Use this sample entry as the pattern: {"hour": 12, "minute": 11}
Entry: {"hour": 1, "minute": 11}
